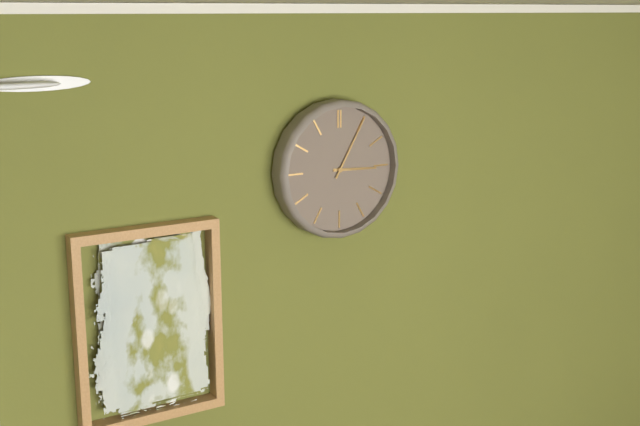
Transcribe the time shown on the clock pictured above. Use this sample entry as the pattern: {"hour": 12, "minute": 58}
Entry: {"hour": 3, "minute": 5}
